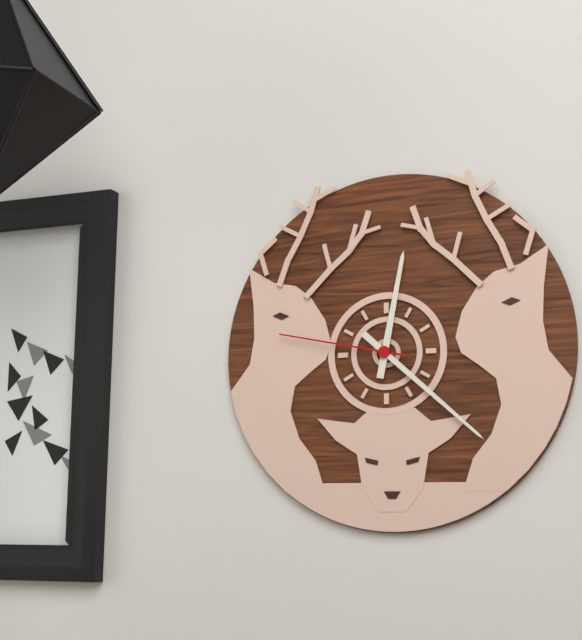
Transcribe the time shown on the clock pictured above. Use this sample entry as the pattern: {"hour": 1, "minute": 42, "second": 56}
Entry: {"hour": 12, "minute": 22, "second": 47}
